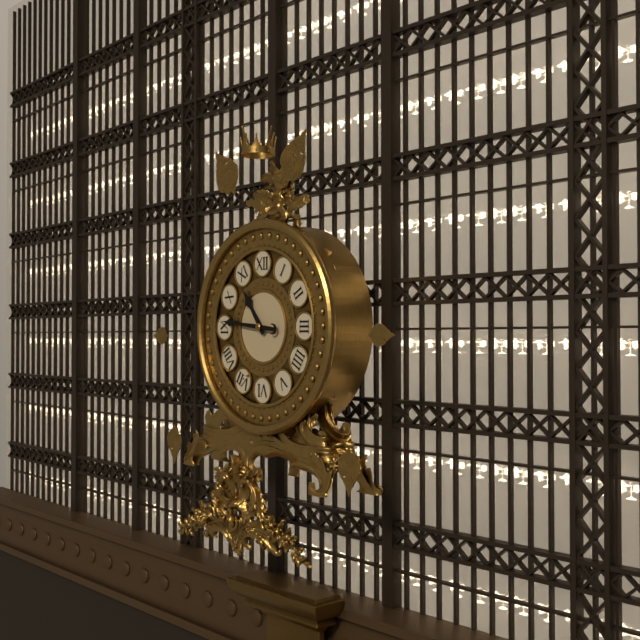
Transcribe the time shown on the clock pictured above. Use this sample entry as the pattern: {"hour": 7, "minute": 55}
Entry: {"hour": 10, "minute": 46}
